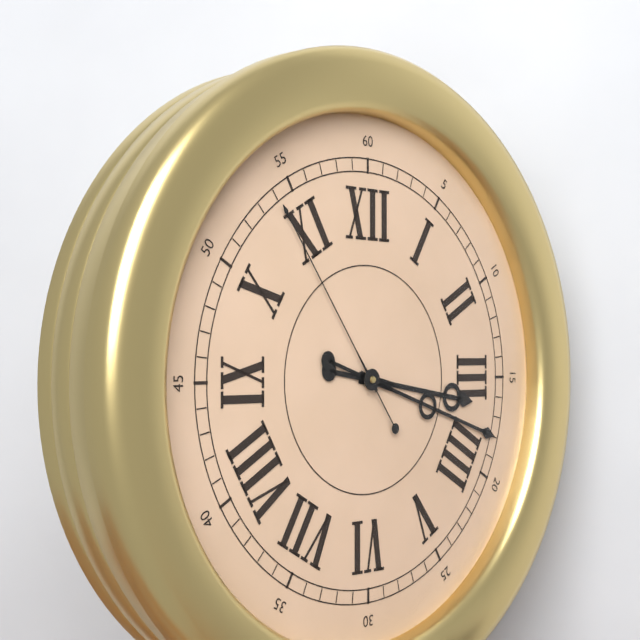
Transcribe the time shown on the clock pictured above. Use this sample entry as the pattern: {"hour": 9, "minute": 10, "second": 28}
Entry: {"hour": 3, "minute": 18, "second": 54}
